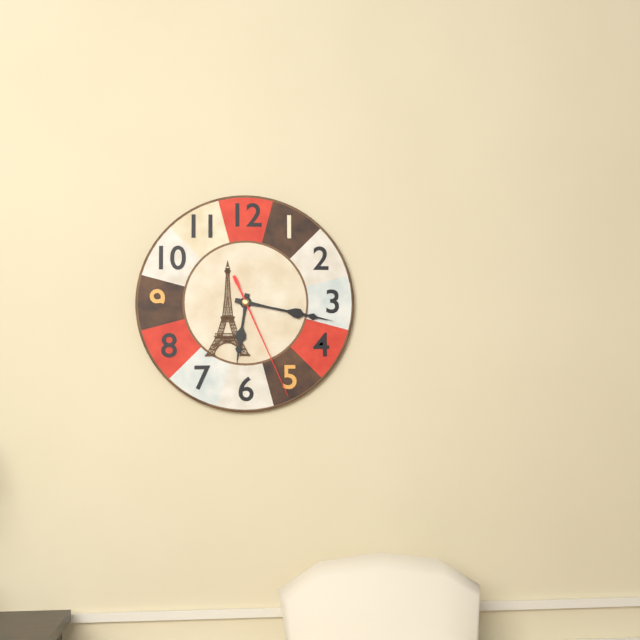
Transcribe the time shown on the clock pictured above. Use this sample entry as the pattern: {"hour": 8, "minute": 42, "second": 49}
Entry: {"hour": 6, "minute": 17, "second": 26}
